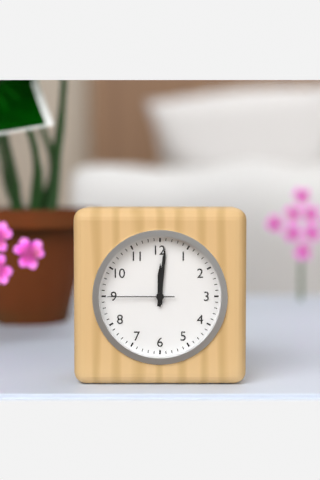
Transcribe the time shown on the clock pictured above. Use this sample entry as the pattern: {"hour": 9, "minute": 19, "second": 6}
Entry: {"hour": 12, "minute": 1, "second": 45}
